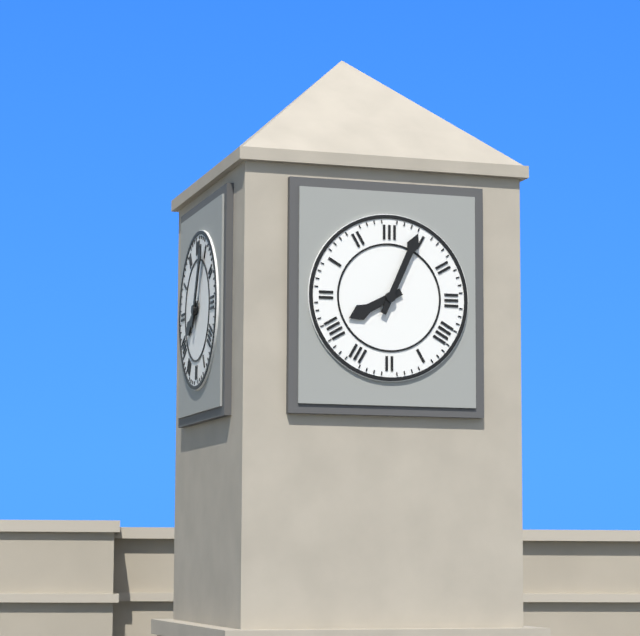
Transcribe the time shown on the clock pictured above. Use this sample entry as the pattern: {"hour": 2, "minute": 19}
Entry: {"hour": 8, "minute": 4}
